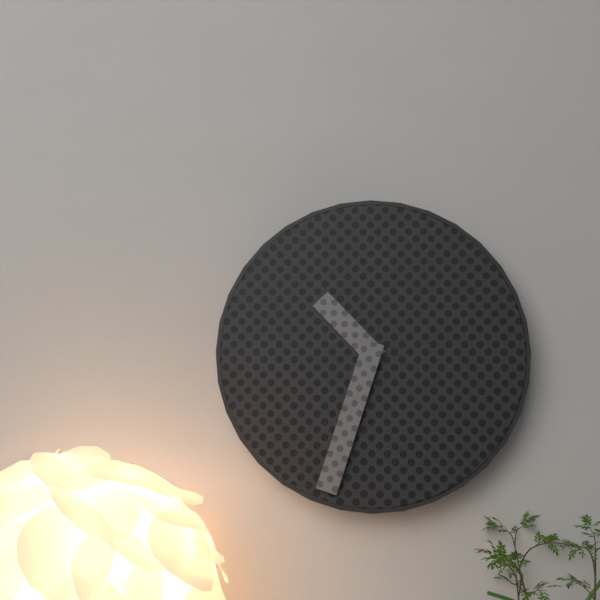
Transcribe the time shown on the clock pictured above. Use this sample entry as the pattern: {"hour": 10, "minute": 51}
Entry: {"hour": 10, "minute": 33}
